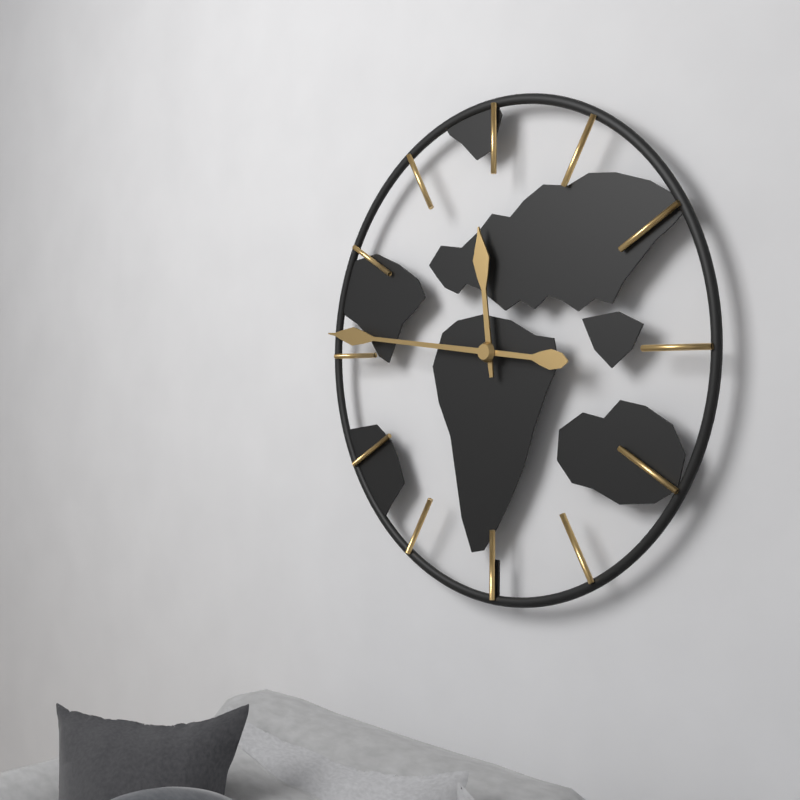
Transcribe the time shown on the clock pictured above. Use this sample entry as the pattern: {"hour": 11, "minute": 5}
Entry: {"hour": 11, "minute": 46}
